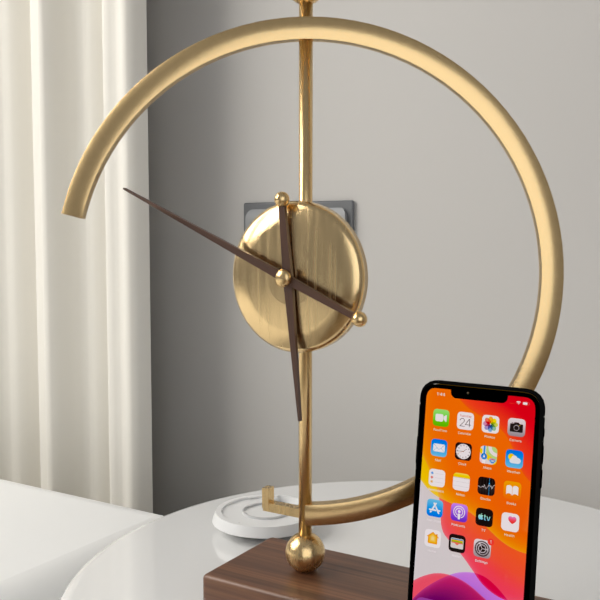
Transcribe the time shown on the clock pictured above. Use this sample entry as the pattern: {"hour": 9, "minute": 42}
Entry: {"hour": 5, "minute": 49}
